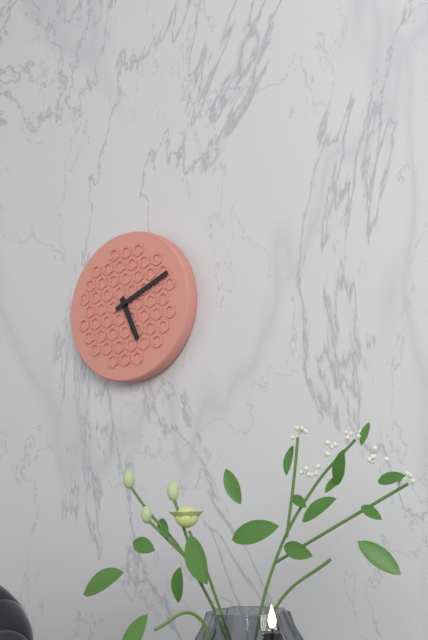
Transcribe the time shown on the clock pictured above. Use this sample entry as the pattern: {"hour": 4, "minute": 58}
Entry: {"hour": 5, "minute": 11}
